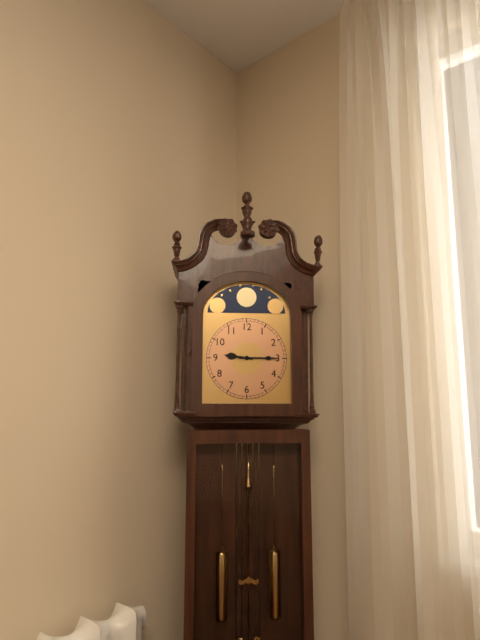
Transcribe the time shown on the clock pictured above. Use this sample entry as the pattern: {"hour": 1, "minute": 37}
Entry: {"hour": 9, "minute": 15}
